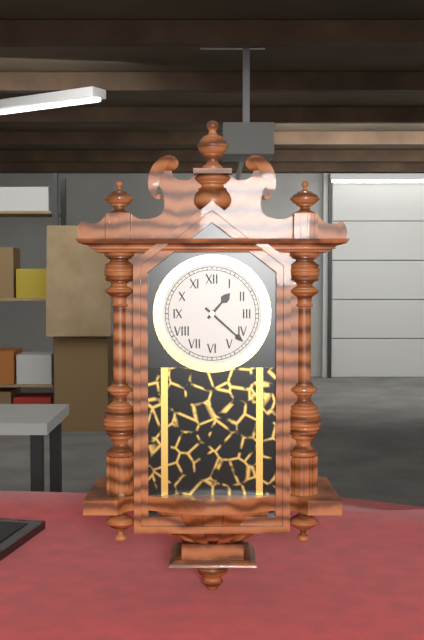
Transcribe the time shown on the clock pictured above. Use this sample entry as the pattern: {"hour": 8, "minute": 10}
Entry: {"hour": 1, "minute": 22}
